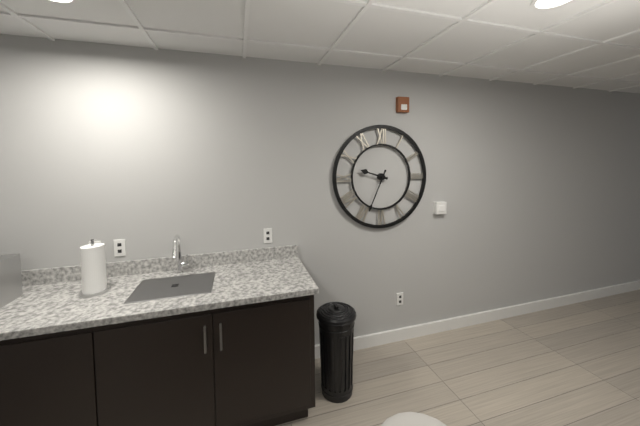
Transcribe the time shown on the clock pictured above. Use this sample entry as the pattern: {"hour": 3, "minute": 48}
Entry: {"hour": 9, "minute": 34}
